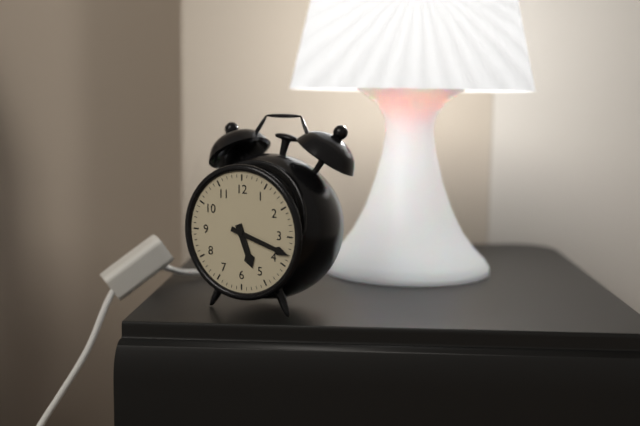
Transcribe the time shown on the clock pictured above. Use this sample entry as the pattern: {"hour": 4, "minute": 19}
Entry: {"hour": 5, "minute": 18}
